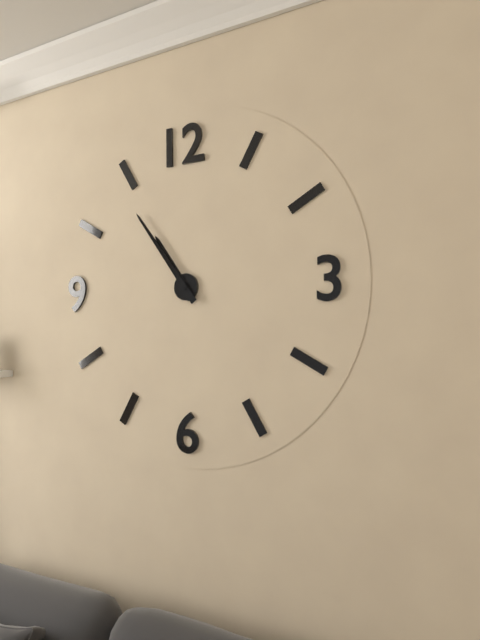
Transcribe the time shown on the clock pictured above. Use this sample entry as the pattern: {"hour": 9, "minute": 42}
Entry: {"hour": 10, "minute": 54}
